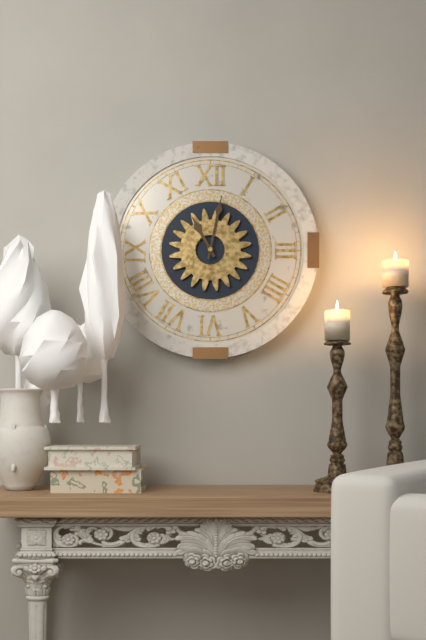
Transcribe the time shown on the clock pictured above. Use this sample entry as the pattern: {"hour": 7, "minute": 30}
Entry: {"hour": 11, "minute": 2}
